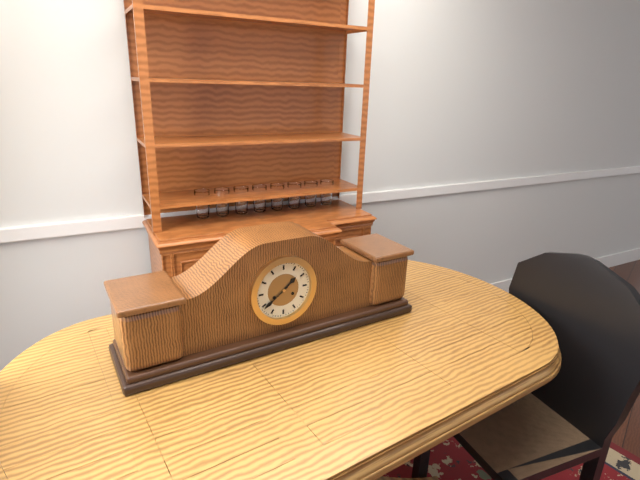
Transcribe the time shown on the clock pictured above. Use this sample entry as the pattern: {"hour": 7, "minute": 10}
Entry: {"hour": 1, "minute": 39}
